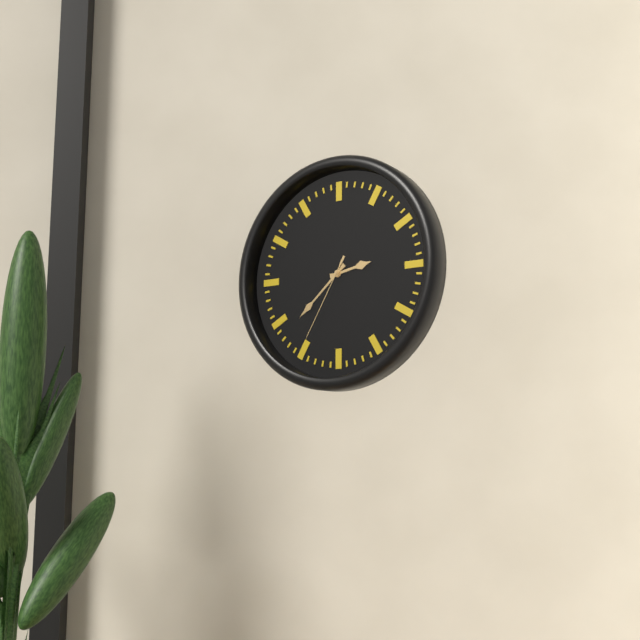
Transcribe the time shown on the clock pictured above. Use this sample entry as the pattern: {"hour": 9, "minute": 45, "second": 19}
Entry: {"hour": 2, "minute": 38, "second": 35}
